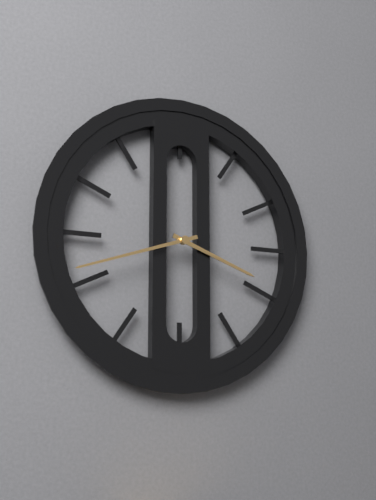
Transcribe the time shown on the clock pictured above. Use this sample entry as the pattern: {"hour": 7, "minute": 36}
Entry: {"hour": 3, "minute": 42}
